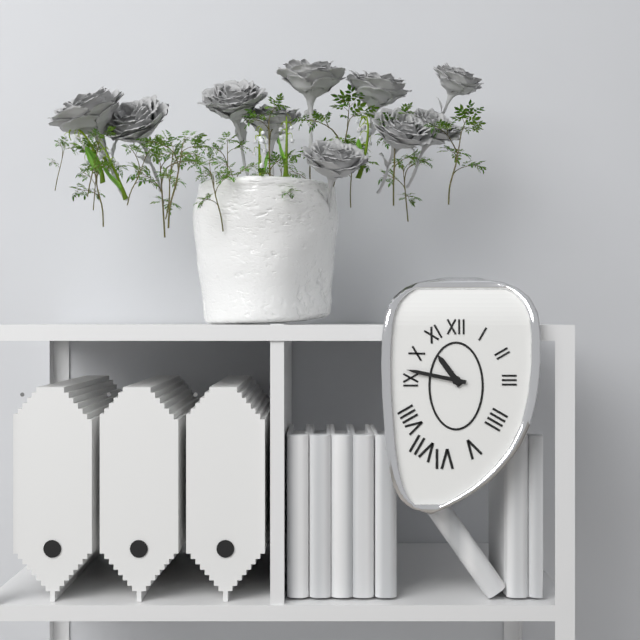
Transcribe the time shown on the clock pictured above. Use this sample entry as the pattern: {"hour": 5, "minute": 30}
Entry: {"hour": 10, "minute": 47}
